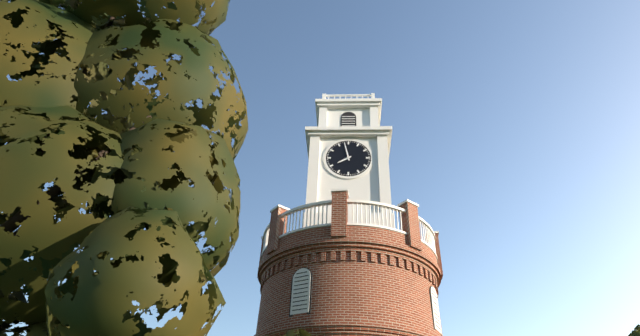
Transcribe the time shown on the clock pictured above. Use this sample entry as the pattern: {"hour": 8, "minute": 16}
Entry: {"hour": 7, "minute": 58}
